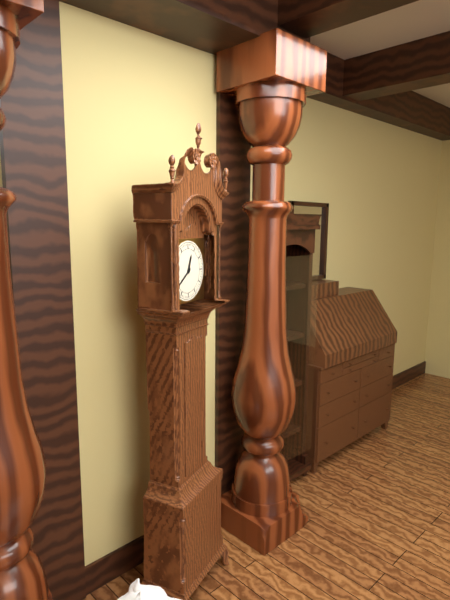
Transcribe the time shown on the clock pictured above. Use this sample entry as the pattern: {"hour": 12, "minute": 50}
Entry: {"hour": 12, "minute": 39}
